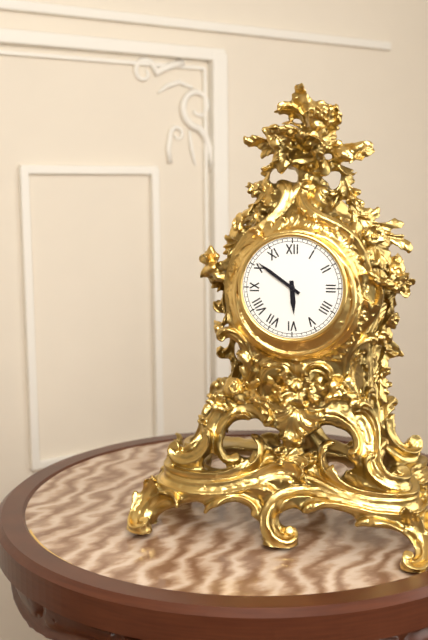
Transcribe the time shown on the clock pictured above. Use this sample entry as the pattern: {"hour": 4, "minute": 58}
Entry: {"hour": 5, "minute": 51}
